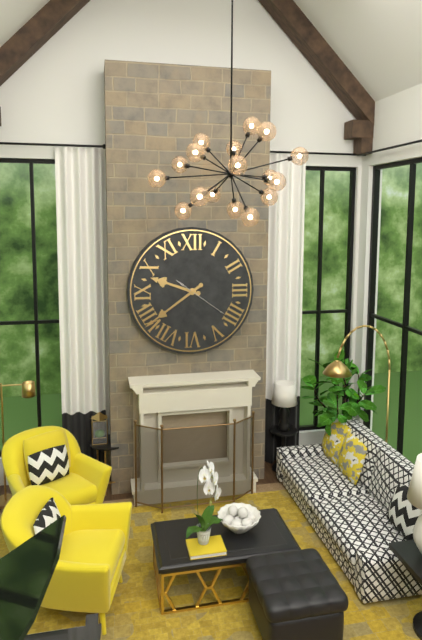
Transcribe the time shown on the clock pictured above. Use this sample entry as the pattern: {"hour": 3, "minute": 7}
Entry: {"hour": 9, "minute": 39}
